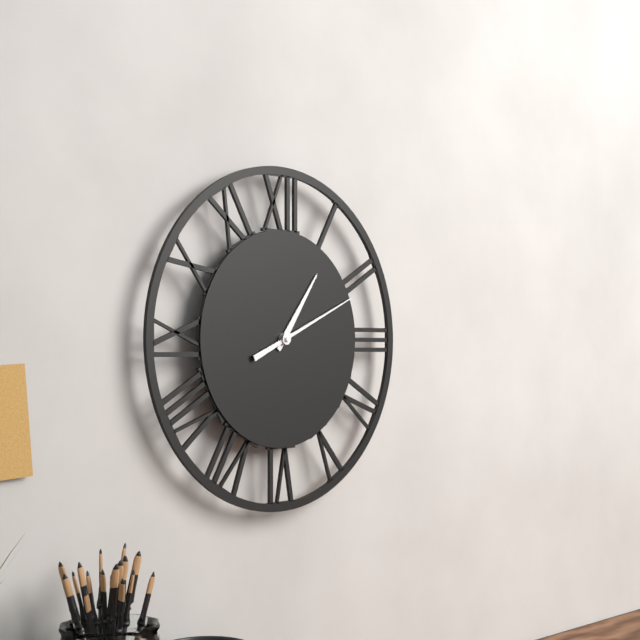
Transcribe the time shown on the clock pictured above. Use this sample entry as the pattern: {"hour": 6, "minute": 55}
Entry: {"hour": 1, "minute": 11}
